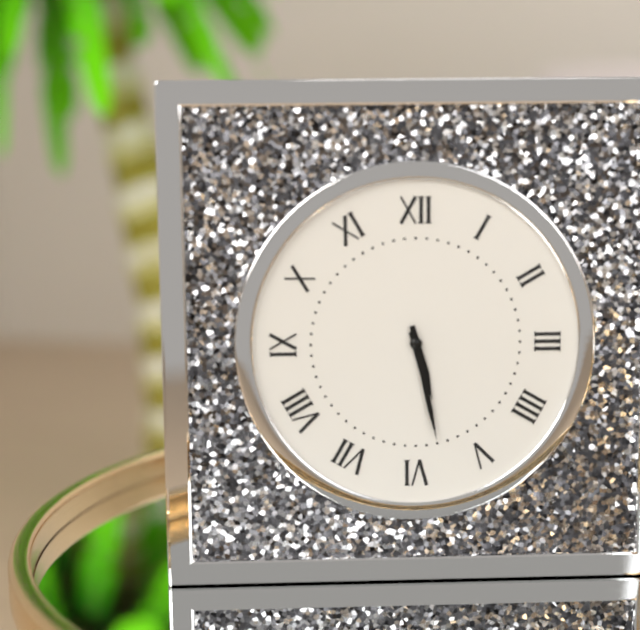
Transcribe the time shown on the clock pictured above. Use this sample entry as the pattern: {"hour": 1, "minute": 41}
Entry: {"hour": 5, "minute": 28}
